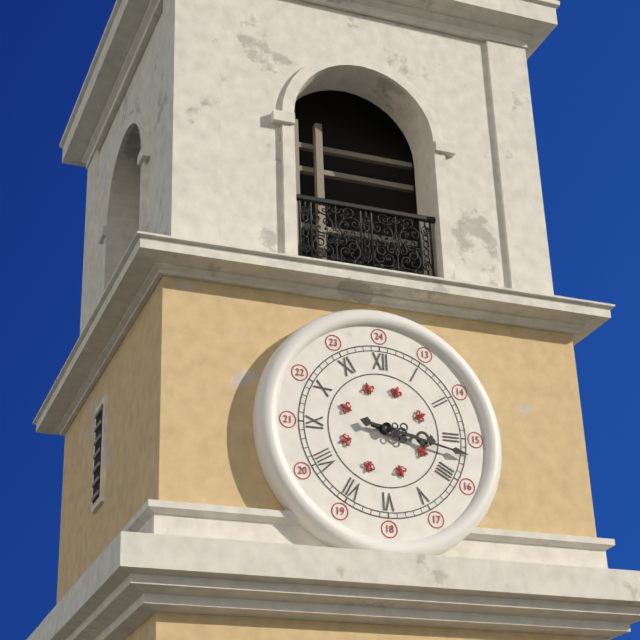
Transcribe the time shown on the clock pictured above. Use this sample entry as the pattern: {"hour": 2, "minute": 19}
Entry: {"hour": 3, "minute": 17}
